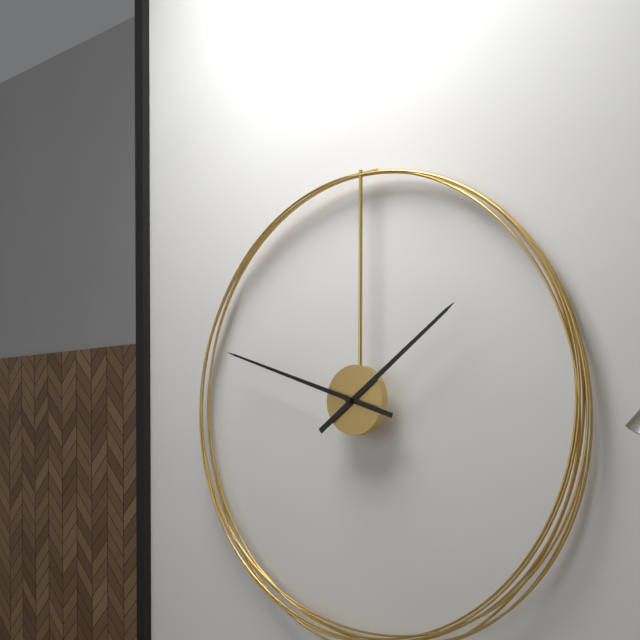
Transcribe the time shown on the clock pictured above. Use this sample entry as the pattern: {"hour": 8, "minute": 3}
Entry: {"hour": 1, "minute": 48}
